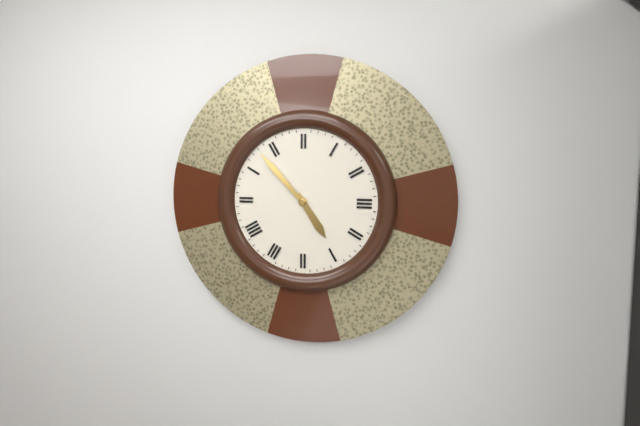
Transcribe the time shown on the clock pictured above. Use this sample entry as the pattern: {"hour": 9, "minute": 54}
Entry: {"hour": 4, "minute": 53}
